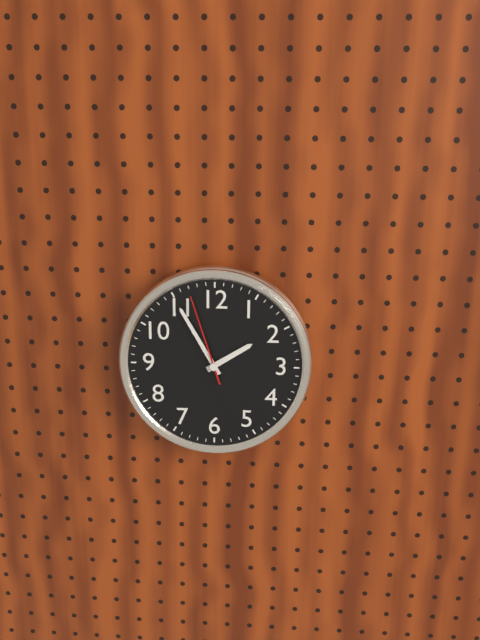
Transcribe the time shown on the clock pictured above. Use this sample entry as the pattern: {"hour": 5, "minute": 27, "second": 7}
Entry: {"hour": 1, "minute": 55, "second": 57}
